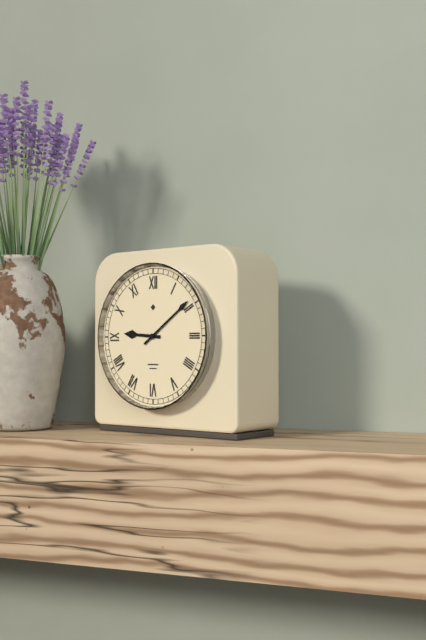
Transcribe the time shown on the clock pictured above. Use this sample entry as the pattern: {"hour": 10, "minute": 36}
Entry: {"hour": 9, "minute": 9}
